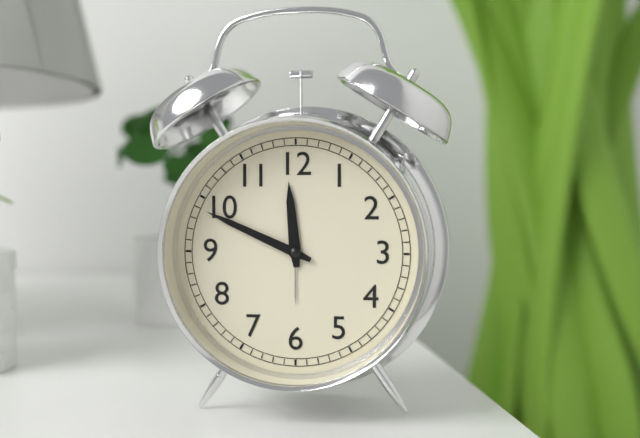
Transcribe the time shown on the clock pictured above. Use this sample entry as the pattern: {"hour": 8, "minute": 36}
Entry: {"hour": 11, "minute": 49}
